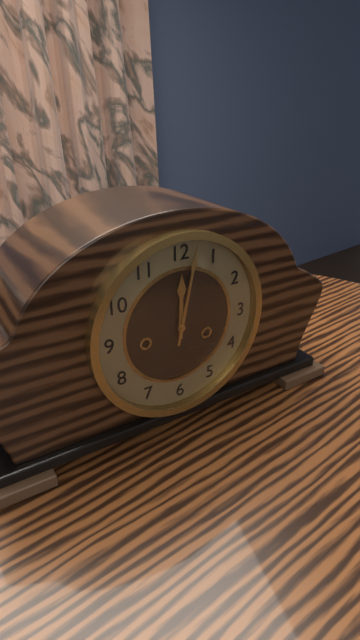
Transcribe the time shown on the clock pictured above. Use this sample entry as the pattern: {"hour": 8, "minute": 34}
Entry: {"hour": 12, "minute": 2}
